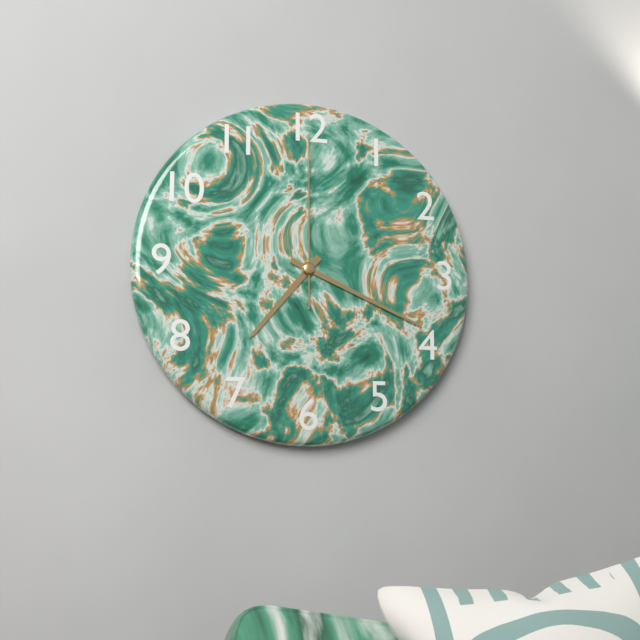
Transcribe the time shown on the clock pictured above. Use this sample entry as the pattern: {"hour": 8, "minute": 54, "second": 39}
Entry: {"hour": 7, "minute": 19, "second": 0}
